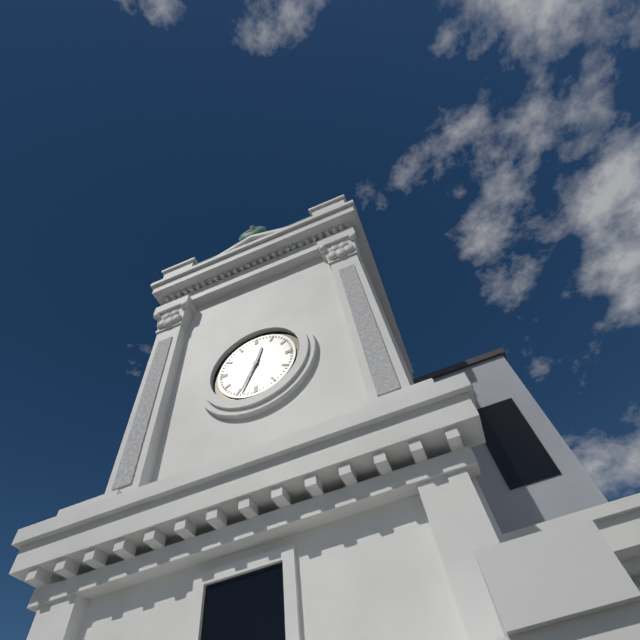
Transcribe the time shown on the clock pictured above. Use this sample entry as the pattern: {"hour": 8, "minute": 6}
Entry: {"hour": 12, "minute": 34}
